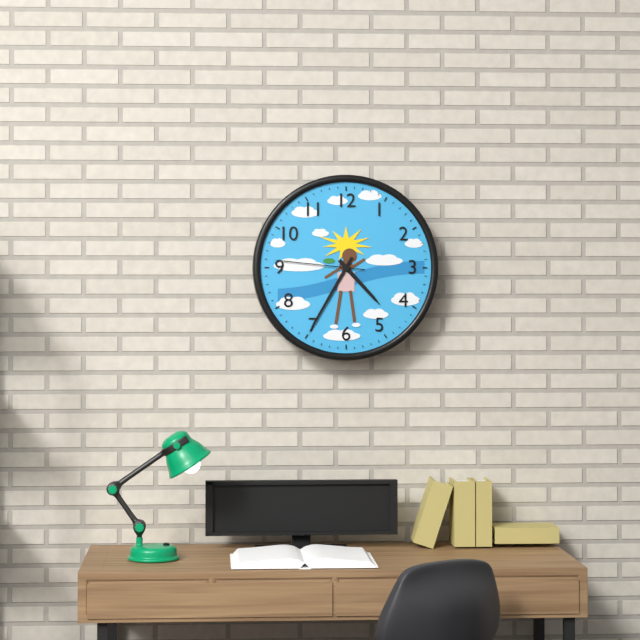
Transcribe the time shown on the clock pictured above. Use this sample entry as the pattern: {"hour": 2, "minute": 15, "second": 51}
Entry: {"hour": 4, "minute": 35, "second": 46}
